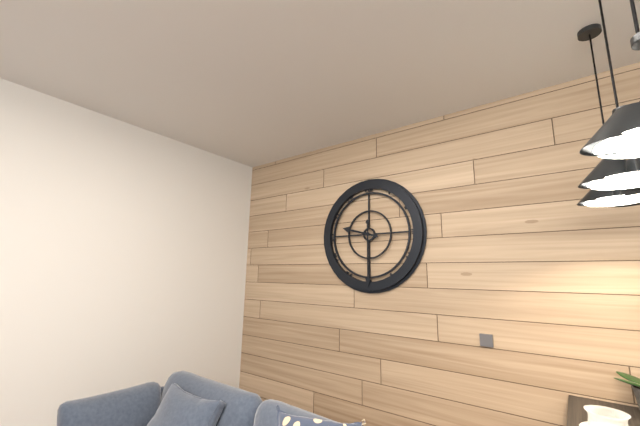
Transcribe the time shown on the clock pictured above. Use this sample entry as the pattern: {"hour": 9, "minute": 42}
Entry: {"hour": 9, "minute": 30}
